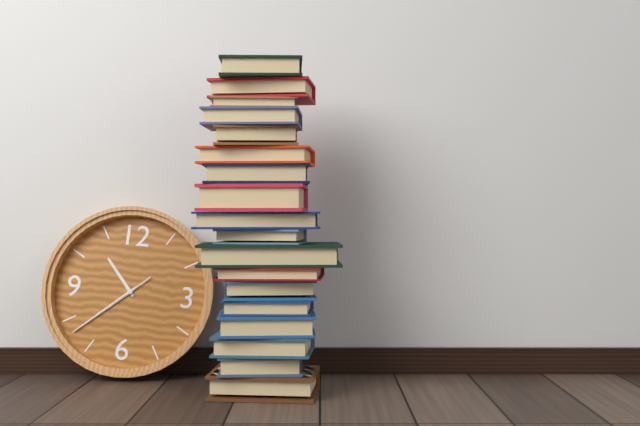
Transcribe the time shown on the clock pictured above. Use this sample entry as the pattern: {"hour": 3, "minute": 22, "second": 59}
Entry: {"hour": 10, "minute": 38, "second": 38}
